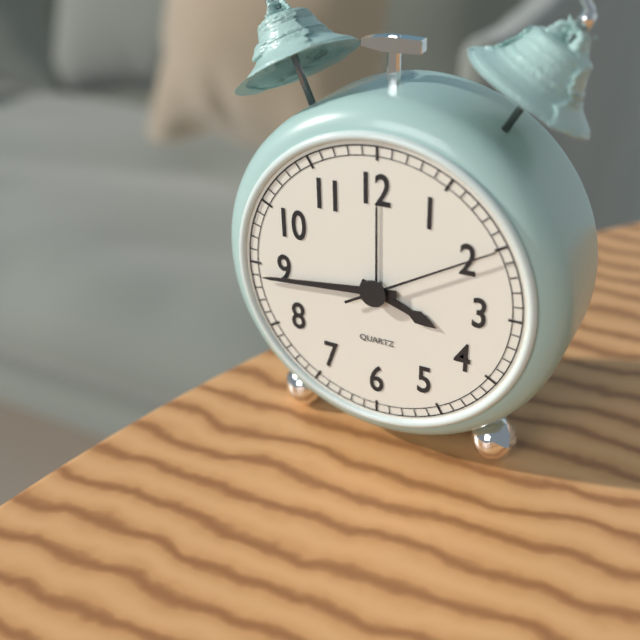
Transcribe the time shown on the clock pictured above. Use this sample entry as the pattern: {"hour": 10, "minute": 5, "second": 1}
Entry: {"hour": 3, "minute": 44, "second": 10}
